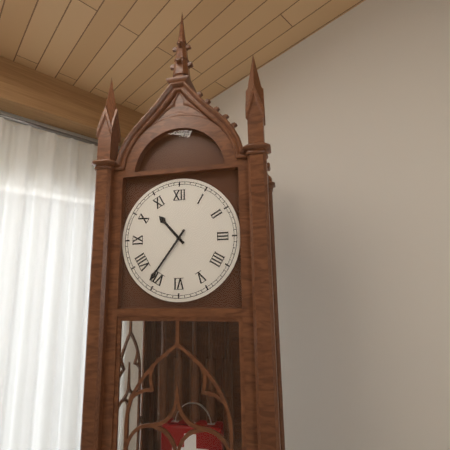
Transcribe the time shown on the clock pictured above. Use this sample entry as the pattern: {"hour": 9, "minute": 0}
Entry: {"hour": 10, "minute": 36}
